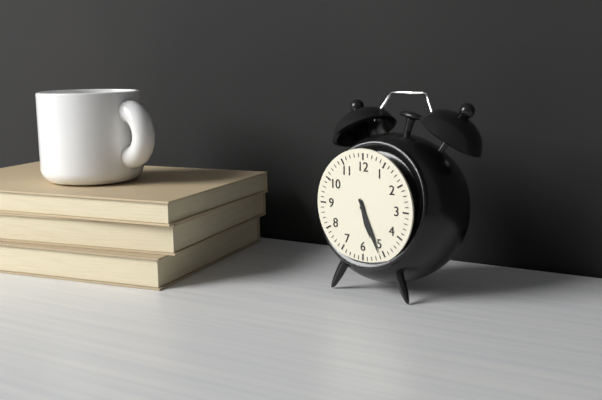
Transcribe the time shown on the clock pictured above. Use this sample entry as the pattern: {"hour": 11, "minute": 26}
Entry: {"hour": 5, "minute": 26}
